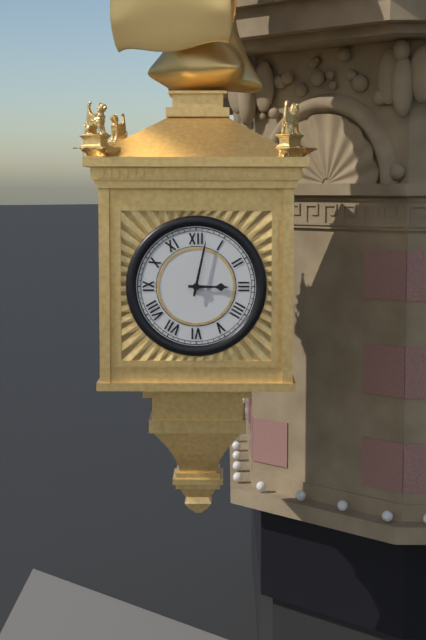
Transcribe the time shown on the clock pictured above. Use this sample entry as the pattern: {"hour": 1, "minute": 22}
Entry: {"hour": 3, "minute": 2}
